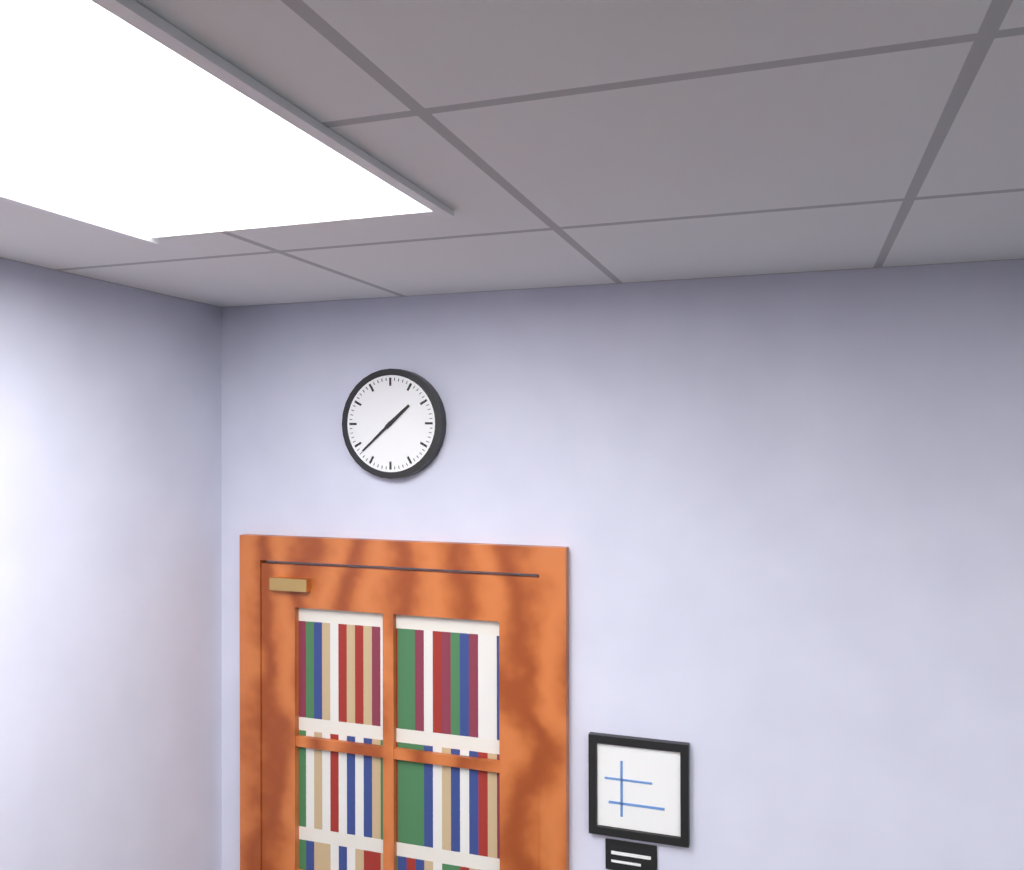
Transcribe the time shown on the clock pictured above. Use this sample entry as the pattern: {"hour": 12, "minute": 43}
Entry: {"hour": 1, "minute": 38}
